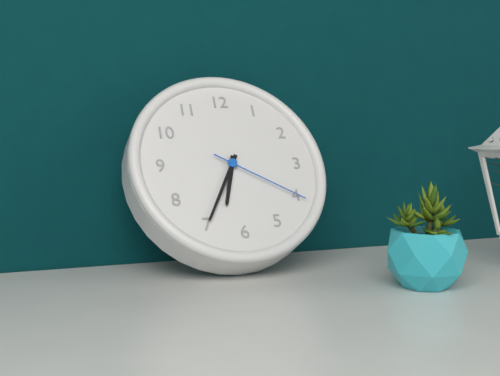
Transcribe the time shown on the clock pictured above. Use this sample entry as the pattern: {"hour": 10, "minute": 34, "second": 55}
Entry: {"hour": 6, "minute": 35, "second": 20}
